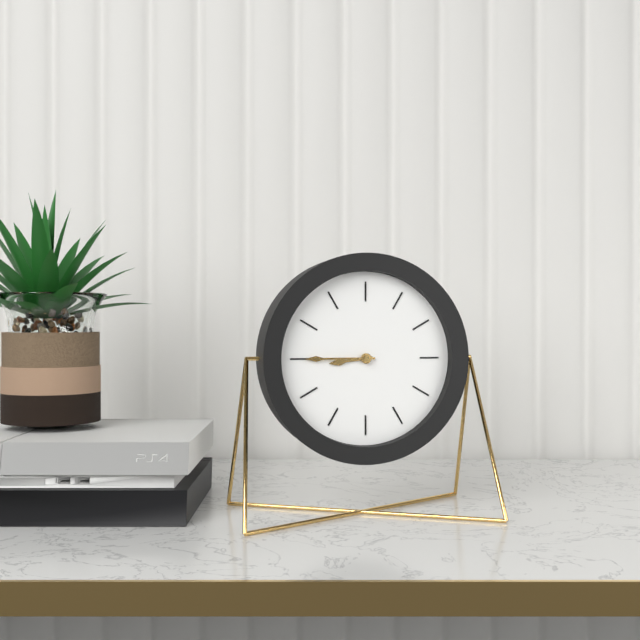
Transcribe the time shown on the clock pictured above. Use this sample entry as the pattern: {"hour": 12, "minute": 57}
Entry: {"hour": 8, "minute": 45}
